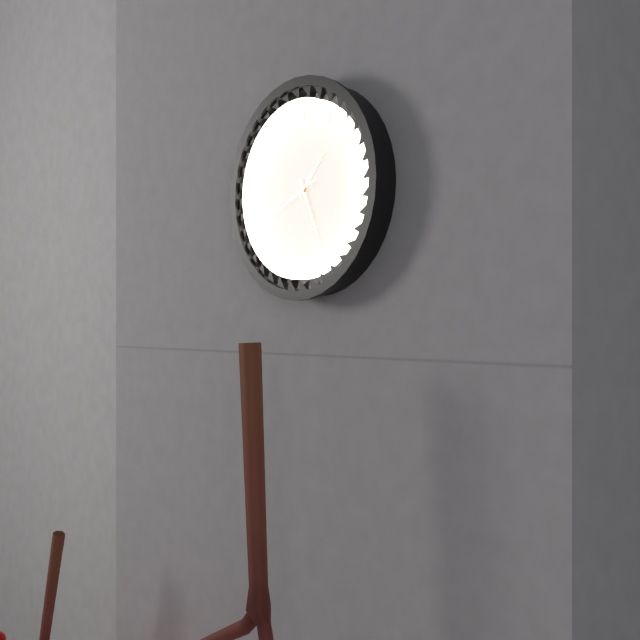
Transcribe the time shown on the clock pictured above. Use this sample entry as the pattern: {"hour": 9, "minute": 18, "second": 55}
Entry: {"hour": 1, "minute": 26, "second": 41}
